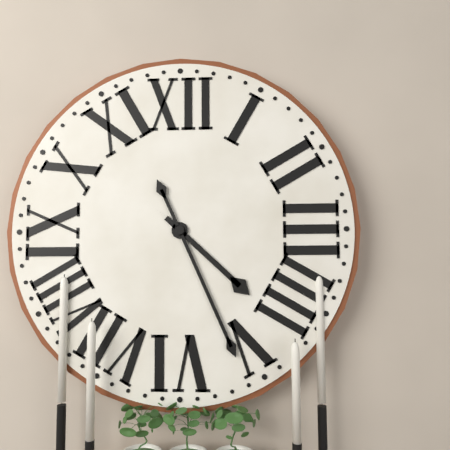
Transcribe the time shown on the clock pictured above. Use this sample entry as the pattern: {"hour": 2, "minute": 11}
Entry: {"hour": 4, "minute": 26}
